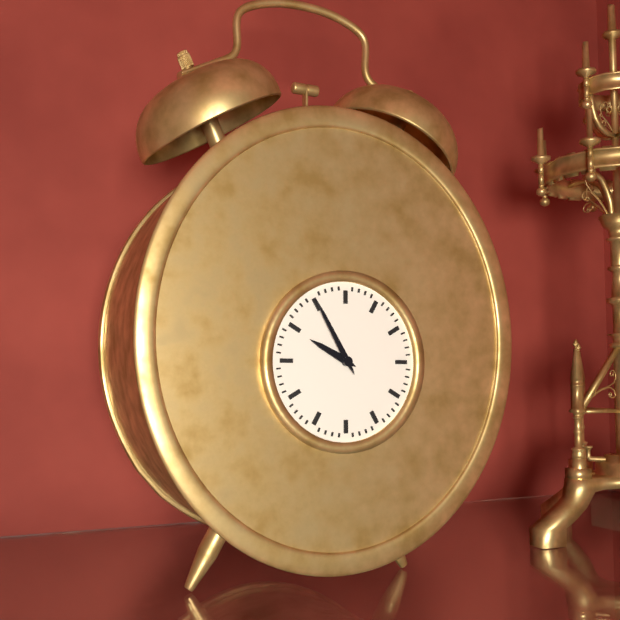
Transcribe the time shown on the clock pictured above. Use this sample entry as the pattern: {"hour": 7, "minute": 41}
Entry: {"hour": 9, "minute": 55}
